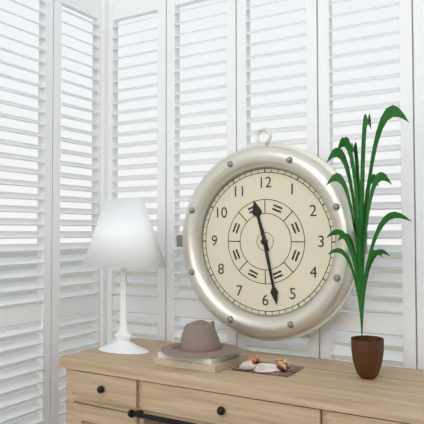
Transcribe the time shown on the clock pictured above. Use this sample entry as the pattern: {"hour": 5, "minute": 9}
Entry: {"hour": 11, "minute": 28}
